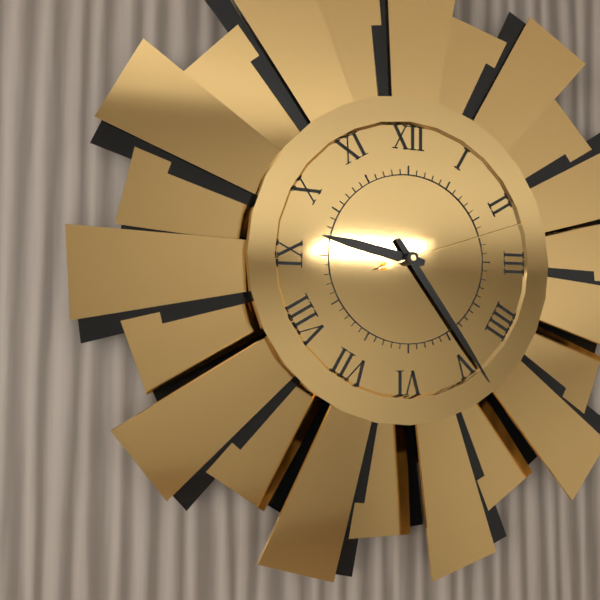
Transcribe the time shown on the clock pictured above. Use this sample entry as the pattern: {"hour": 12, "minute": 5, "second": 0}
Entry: {"hour": 9, "minute": 24, "second": 12}
